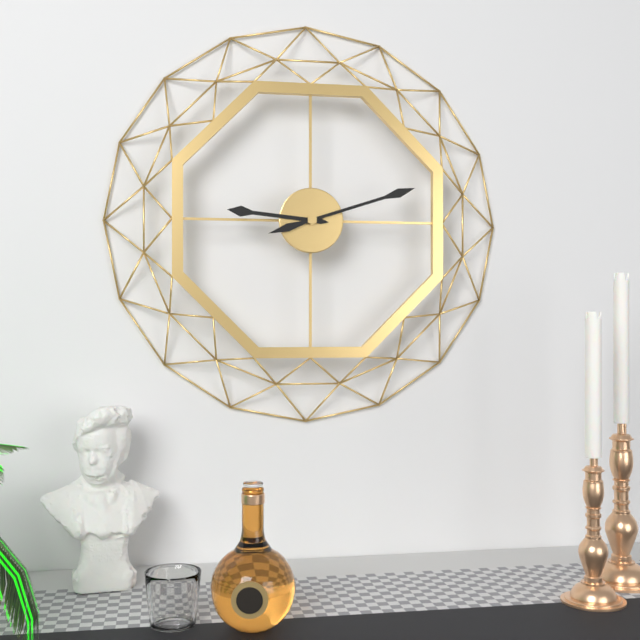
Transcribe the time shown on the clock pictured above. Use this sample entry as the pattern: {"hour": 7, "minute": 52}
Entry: {"hour": 9, "minute": 12}
